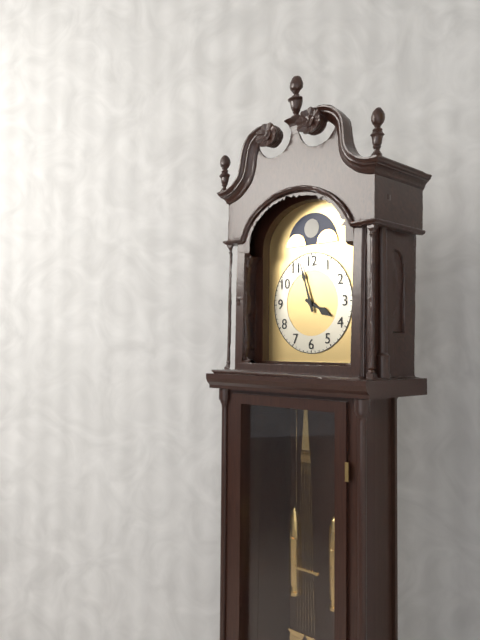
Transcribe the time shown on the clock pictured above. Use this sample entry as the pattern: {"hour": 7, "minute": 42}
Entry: {"hour": 3, "minute": 57}
